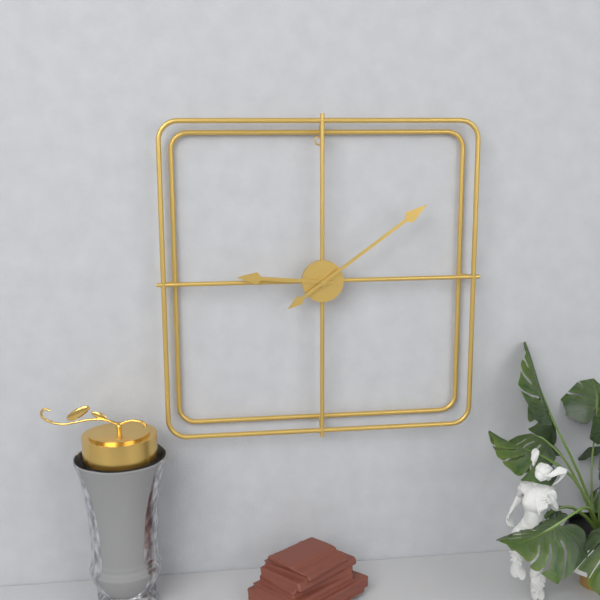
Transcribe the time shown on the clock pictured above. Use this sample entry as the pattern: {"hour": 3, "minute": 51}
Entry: {"hour": 9, "minute": 9}
